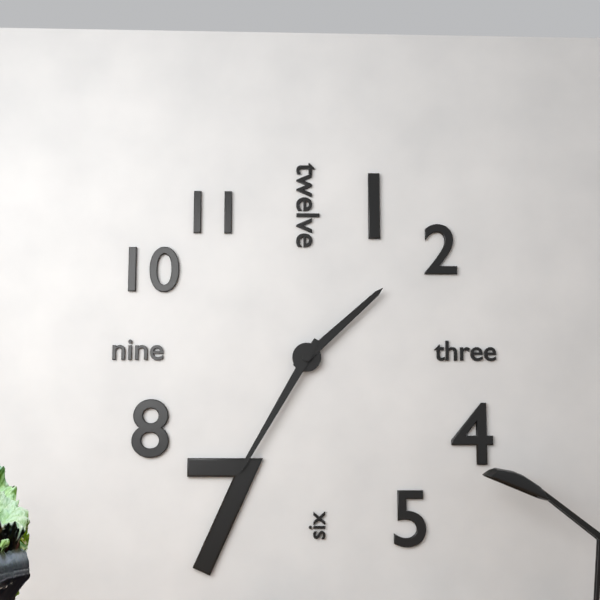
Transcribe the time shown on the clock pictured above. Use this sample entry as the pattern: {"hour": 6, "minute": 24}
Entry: {"hour": 1, "minute": 35}
